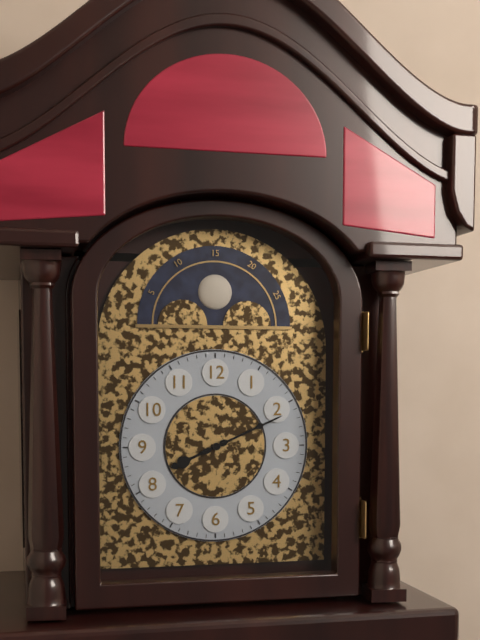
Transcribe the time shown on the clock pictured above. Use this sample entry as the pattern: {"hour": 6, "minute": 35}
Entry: {"hour": 8, "minute": 11}
